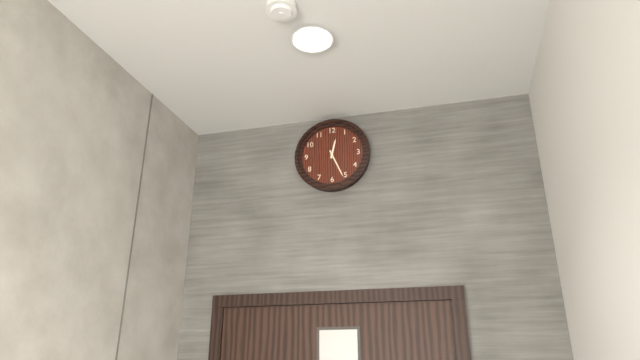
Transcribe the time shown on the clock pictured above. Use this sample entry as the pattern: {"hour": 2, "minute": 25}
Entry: {"hour": 12, "minute": 26}
